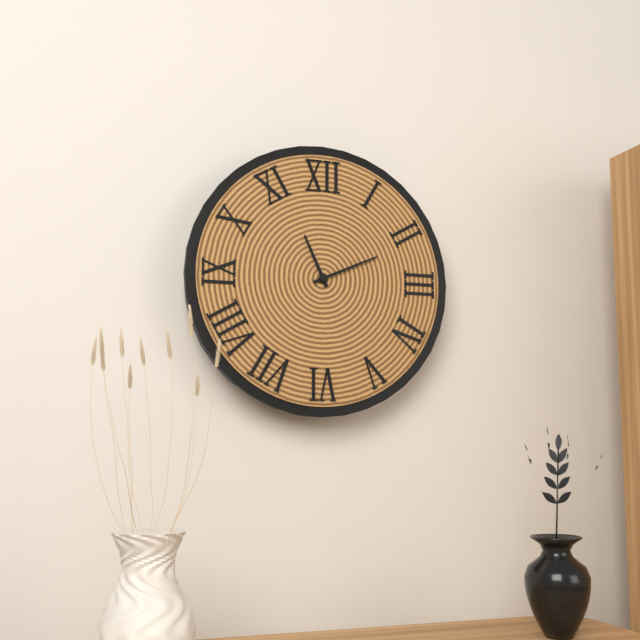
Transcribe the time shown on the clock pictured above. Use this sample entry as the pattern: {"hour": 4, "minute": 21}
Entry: {"hour": 11, "minute": 11}
